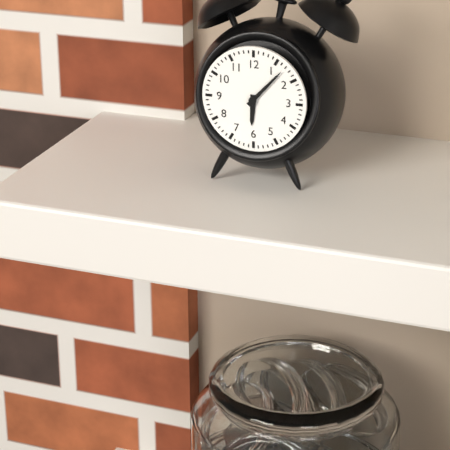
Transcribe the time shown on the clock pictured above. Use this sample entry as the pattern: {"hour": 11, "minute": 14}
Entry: {"hour": 6, "minute": 7}
